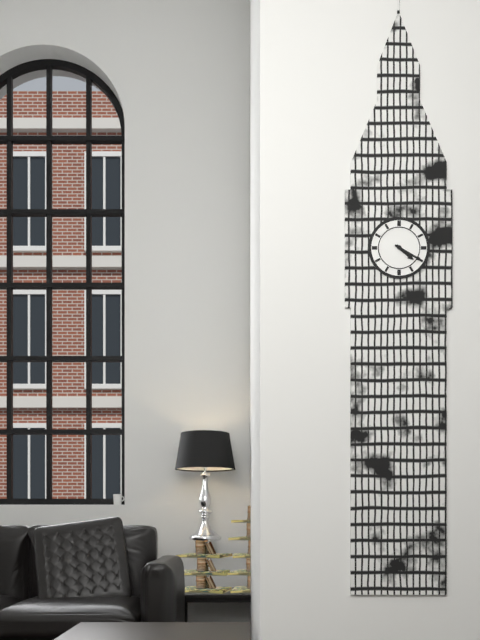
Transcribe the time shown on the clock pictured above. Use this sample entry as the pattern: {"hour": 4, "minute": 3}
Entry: {"hour": 4, "minute": 20}
